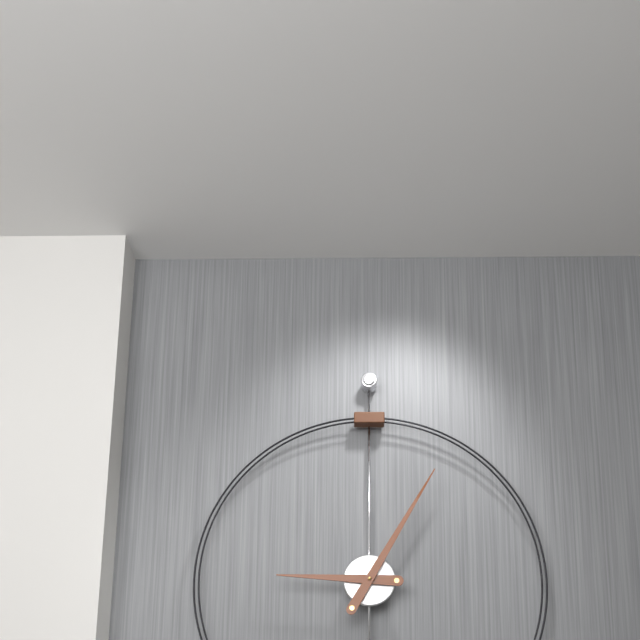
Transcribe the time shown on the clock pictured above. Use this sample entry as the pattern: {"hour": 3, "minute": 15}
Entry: {"hour": 9, "minute": 5}
